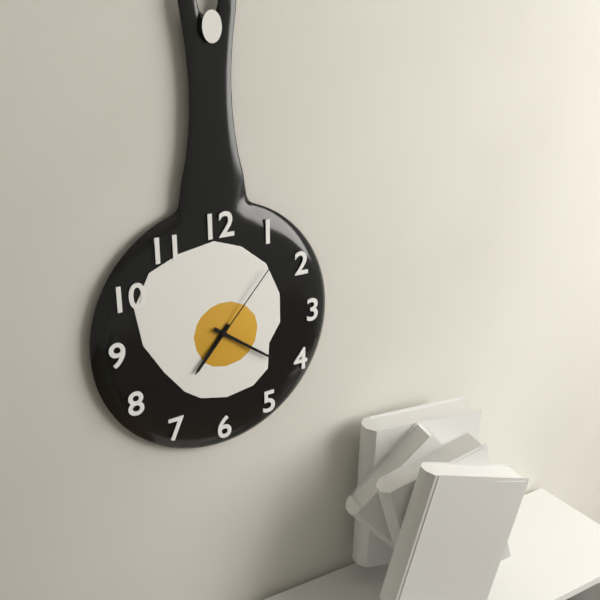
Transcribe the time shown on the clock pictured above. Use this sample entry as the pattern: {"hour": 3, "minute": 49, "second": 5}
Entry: {"hour": 7, "minute": 21, "second": 7}
